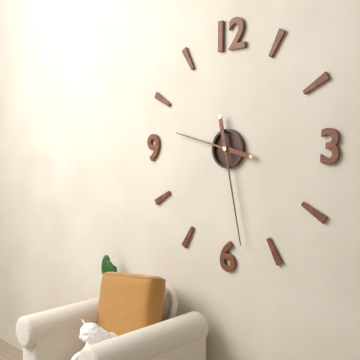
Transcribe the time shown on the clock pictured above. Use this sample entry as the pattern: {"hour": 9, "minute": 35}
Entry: {"hour": 9, "minute": 28}
